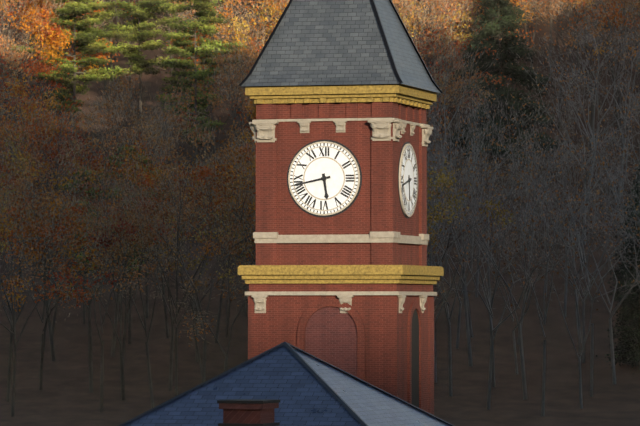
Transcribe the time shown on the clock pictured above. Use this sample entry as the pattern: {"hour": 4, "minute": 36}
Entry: {"hour": 5, "minute": 43}
